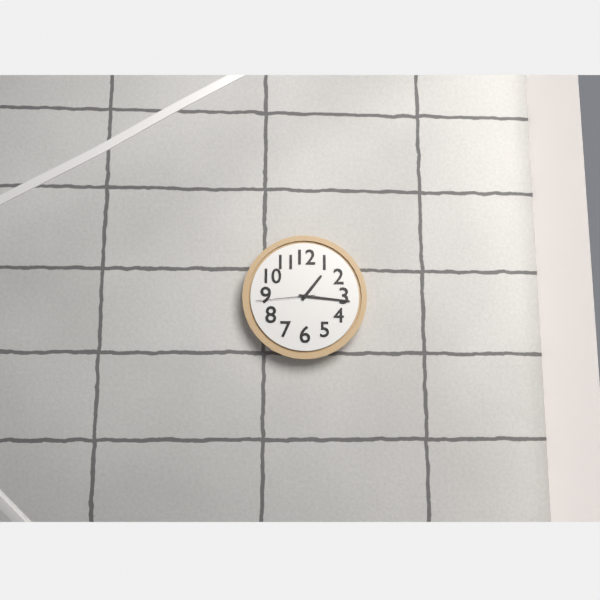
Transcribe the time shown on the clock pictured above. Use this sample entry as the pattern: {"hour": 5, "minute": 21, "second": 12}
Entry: {"hour": 1, "minute": 16, "second": 44}
